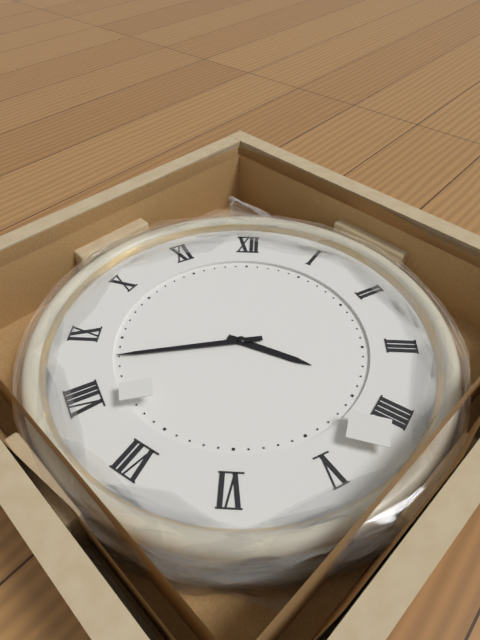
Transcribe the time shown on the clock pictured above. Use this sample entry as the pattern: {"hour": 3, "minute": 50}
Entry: {"hour": 3, "minute": 43}
